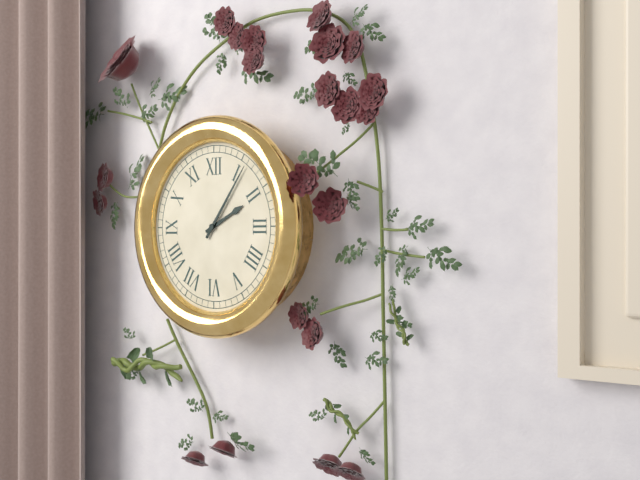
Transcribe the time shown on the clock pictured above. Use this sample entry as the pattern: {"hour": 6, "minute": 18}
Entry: {"hour": 2, "minute": 6}
